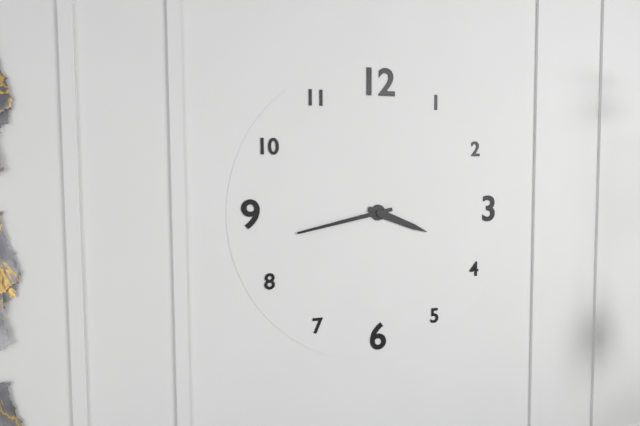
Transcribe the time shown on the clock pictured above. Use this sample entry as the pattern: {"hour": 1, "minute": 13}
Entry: {"hour": 3, "minute": 43}
